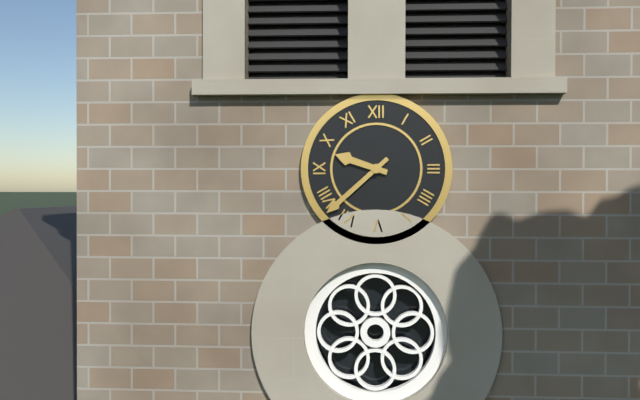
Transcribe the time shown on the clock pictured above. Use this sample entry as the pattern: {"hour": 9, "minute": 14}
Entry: {"hour": 9, "minute": 38}
